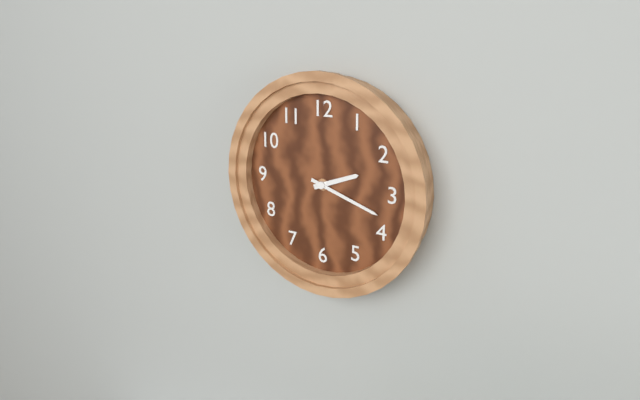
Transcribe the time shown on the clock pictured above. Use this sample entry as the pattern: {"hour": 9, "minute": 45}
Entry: {"hour": 2, "minute": 18}
